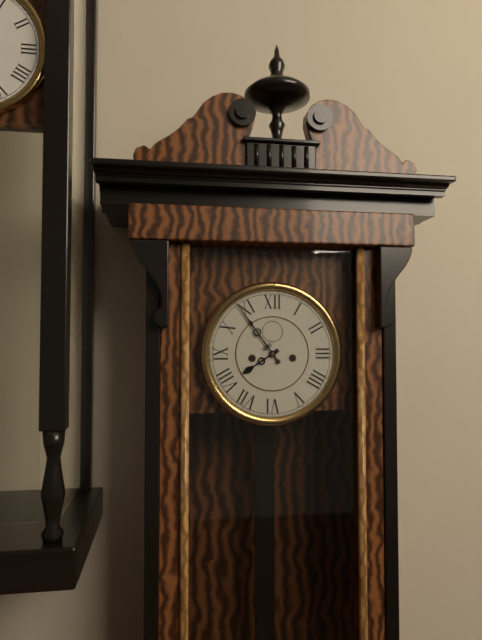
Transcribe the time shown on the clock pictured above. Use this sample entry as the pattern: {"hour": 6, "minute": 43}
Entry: {"hour": 7, "minute": 54}
